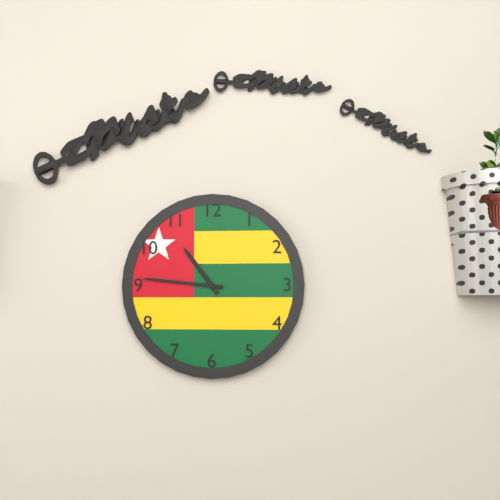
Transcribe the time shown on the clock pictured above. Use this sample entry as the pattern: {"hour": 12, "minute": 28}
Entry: {"hour": 10, "minute": 46}
